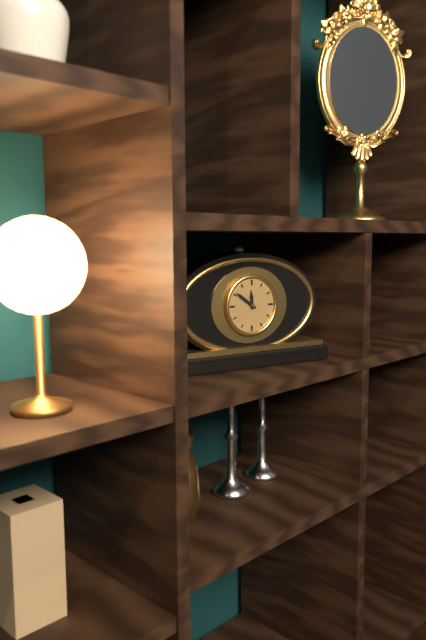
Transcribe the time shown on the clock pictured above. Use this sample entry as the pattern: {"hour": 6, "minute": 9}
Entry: {"hour": 11, "minute": 51}
